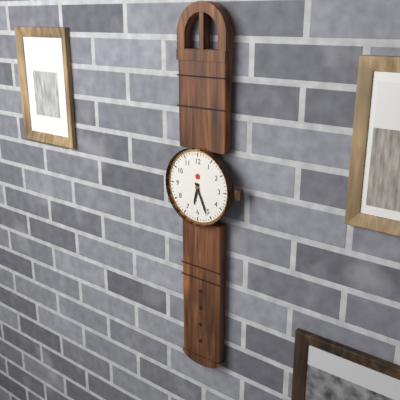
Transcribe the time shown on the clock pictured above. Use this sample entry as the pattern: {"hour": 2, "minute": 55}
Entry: {"hour": 6, "minute": 26}
